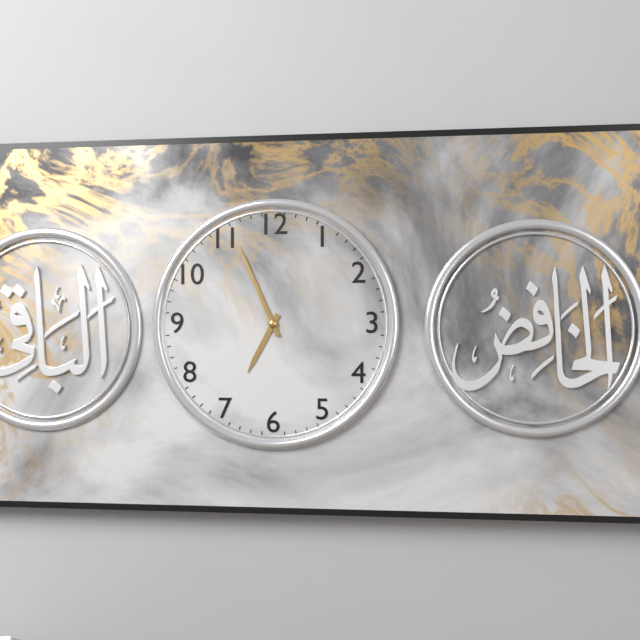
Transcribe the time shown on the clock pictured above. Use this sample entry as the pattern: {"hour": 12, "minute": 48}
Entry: {"hour": 6, "minute": 56}
